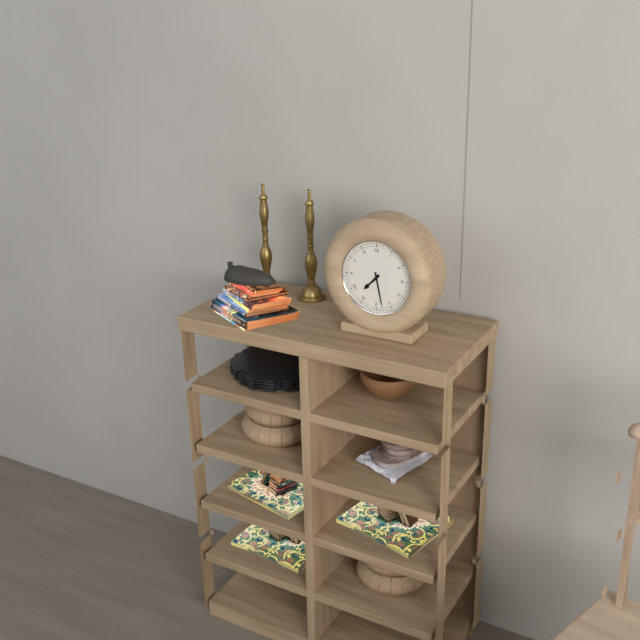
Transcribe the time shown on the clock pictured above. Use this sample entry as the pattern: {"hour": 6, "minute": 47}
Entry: {"hour": 7, "minute": 28}
